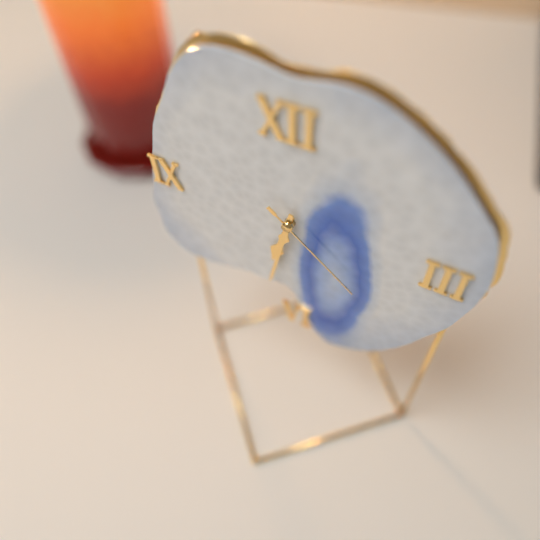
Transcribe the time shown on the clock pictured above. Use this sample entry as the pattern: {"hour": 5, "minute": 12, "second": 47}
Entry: {"hour": 6, "minute": 32, "second": 22}
